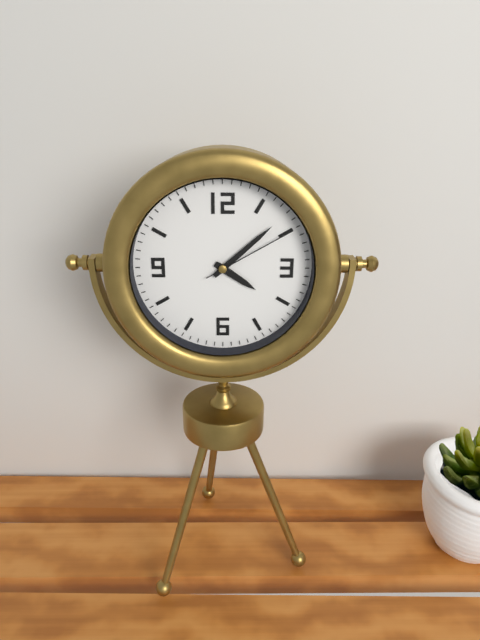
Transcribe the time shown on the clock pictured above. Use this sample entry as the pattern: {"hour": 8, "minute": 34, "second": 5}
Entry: {"hour": 4, "minute": 8, "second": 10}
